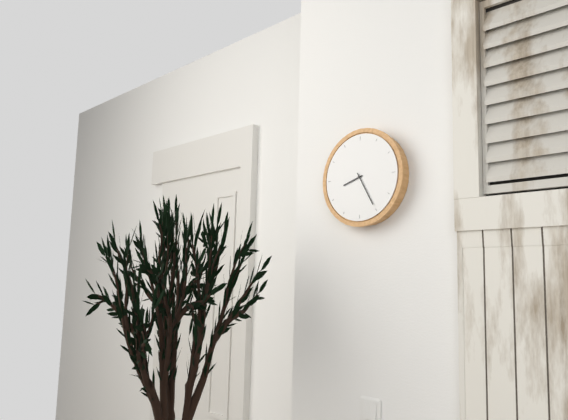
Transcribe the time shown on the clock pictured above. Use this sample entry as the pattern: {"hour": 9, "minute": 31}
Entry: {"hour": 8, "minute": 25}
